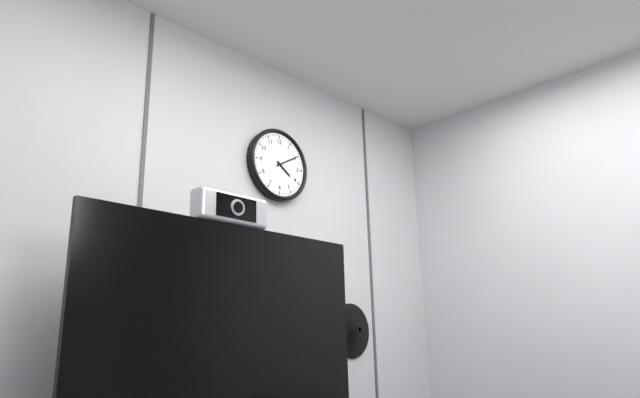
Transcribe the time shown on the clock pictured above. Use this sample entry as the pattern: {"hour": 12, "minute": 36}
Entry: {"hour": 4, "minute": 10}
